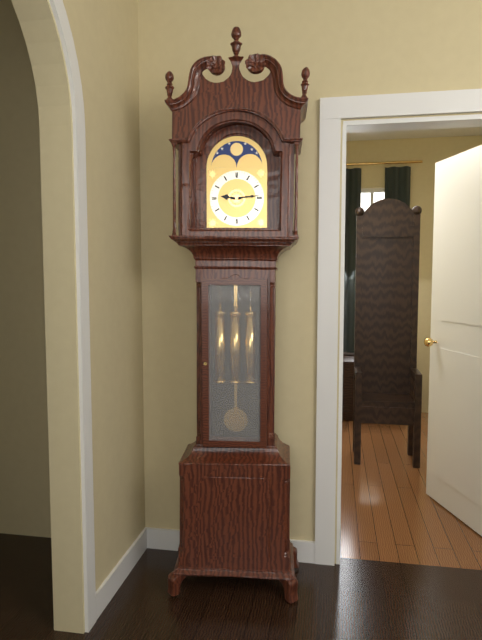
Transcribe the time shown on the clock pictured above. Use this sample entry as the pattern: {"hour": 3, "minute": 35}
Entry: {"hour": 9, "minute": 14}
